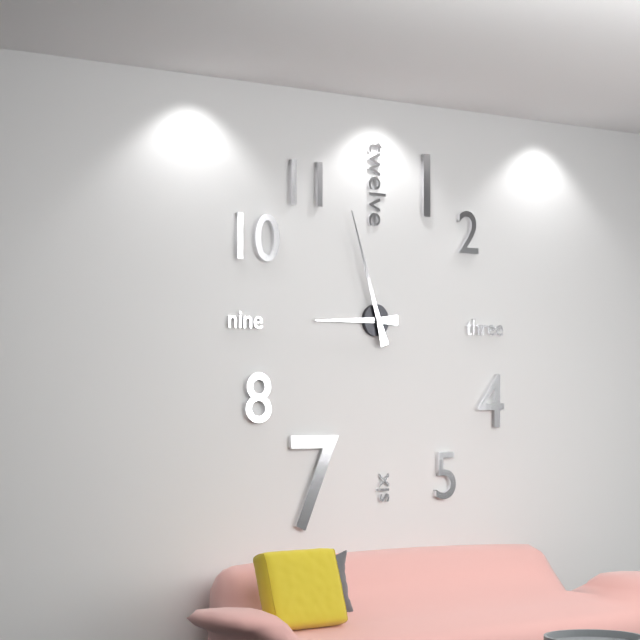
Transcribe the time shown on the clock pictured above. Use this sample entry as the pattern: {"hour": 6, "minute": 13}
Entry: {"hour": 8, "minute": 57}
